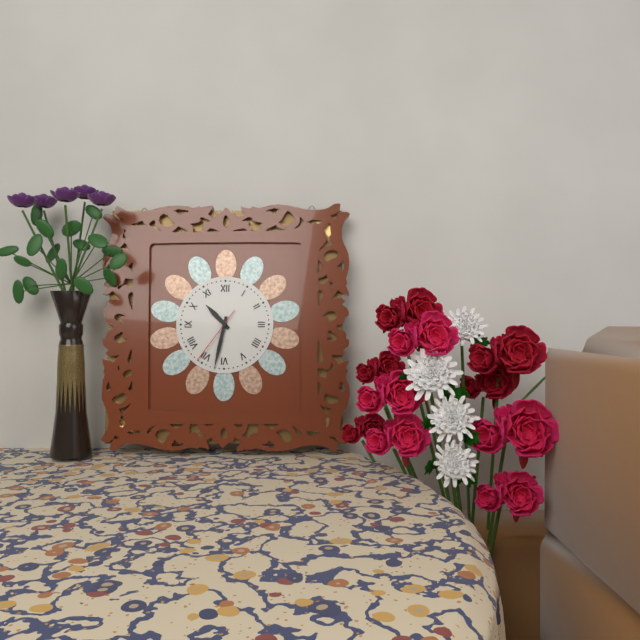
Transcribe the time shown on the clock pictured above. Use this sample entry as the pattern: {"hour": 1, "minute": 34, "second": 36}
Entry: {"hour": 10, "minute": 32, "second": 36}
